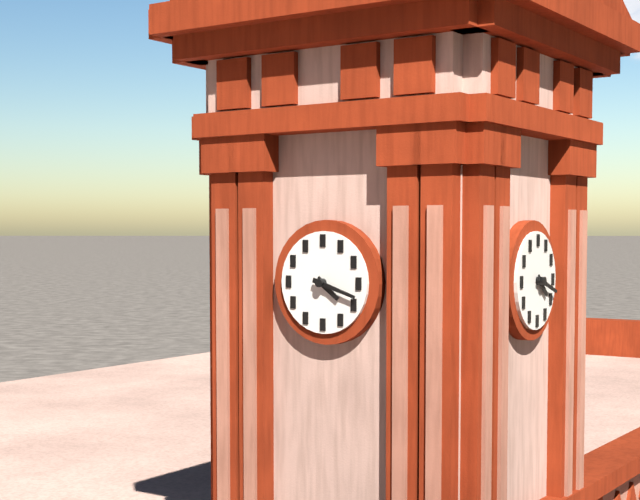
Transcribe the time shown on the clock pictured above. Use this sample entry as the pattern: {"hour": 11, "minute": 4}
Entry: {"hour": 4, "minute": 18}
